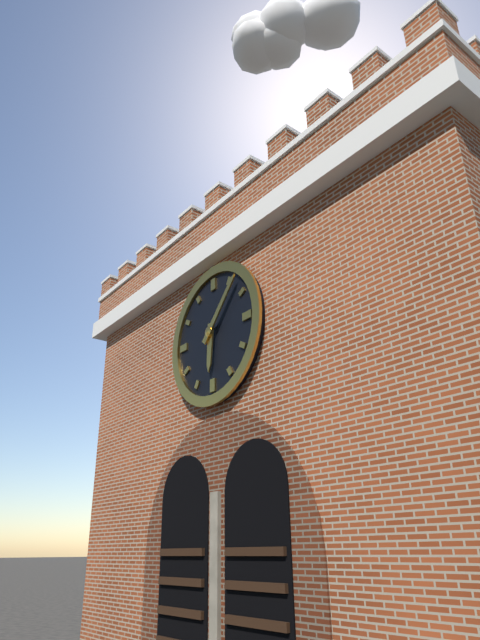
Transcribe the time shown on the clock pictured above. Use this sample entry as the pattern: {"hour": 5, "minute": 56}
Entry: {"hour": 6, "minute": 7}
